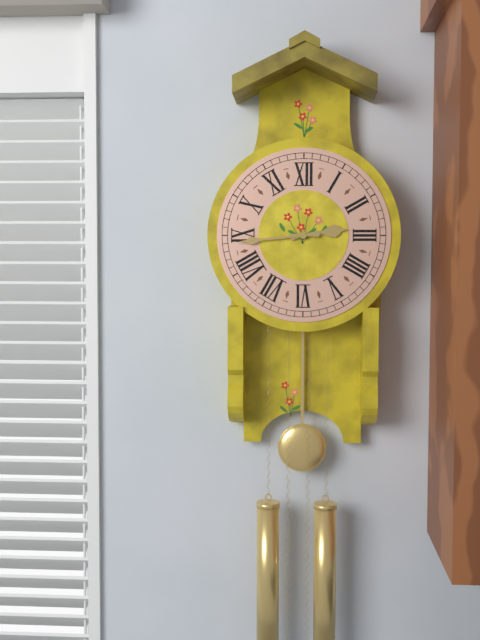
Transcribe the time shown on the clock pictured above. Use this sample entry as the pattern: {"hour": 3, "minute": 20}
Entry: {"hour": 2, "minute": 44}
